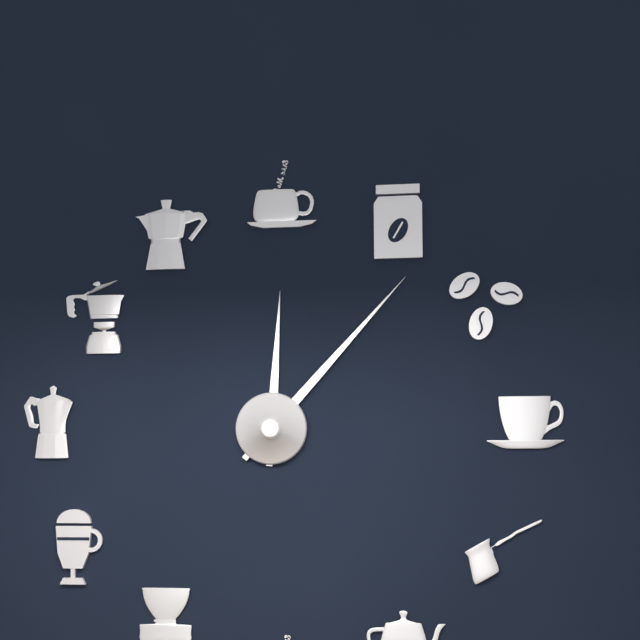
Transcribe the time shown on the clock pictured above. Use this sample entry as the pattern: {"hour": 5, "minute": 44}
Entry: {"hour": 12, "minute": 7}
